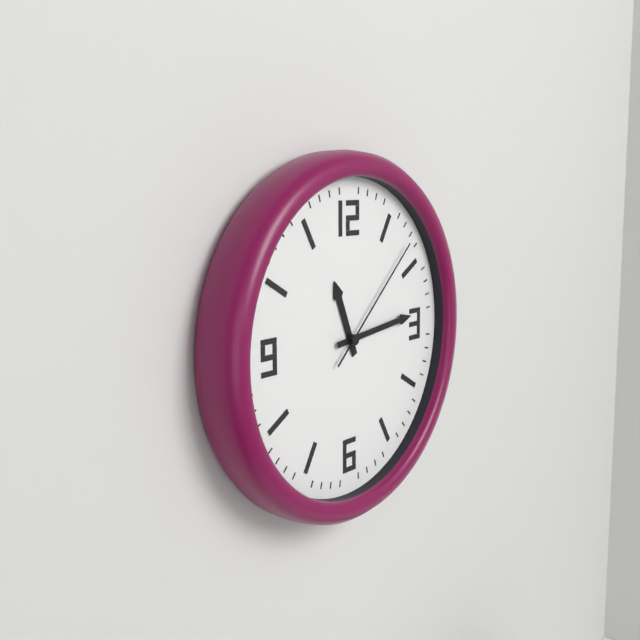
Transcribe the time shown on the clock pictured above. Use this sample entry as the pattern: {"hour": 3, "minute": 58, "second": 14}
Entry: {"hour": 11, "minute": 14, "second": 8}
